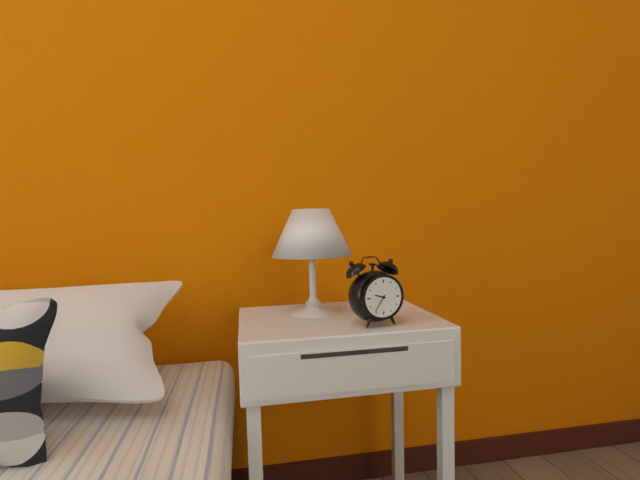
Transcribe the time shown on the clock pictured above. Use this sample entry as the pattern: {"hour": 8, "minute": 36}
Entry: {"hour": 9, "minute": 36}
